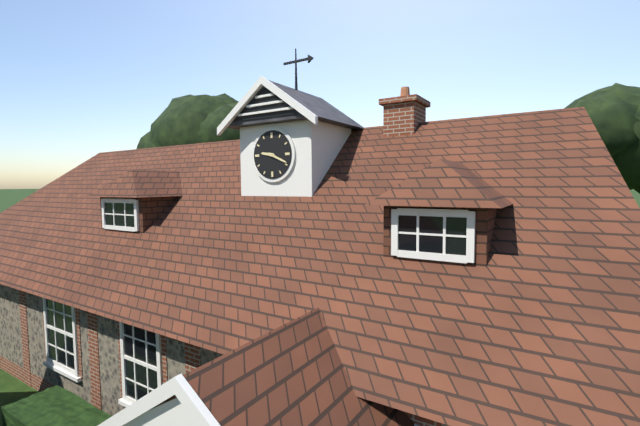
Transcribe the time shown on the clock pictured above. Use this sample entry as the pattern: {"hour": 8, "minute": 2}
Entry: {"hour": 9, "minute": 19}
